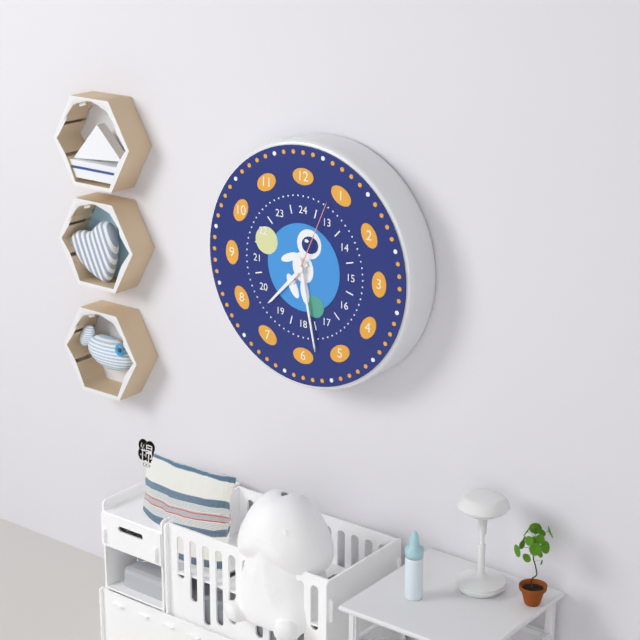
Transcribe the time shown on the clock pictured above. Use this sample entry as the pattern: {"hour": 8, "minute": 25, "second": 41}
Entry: {"hour": 7, "minute": 28, "second": 4}
